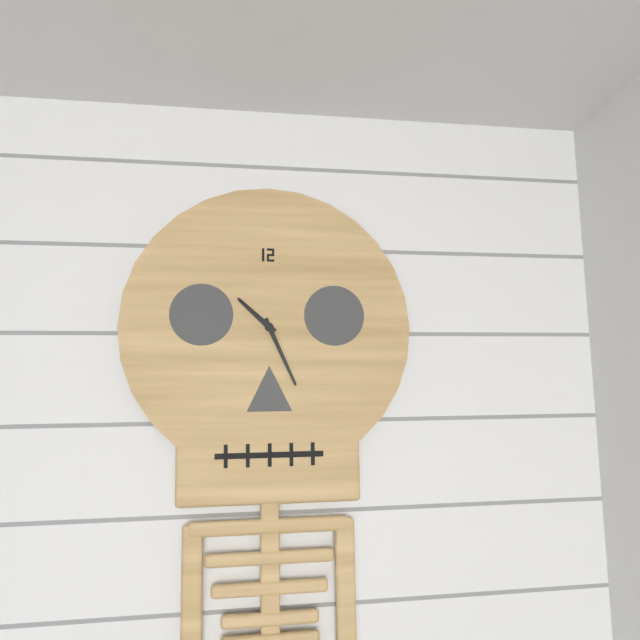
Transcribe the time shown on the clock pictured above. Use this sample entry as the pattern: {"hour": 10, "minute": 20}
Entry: {"hour": 10, "minute": 26}
